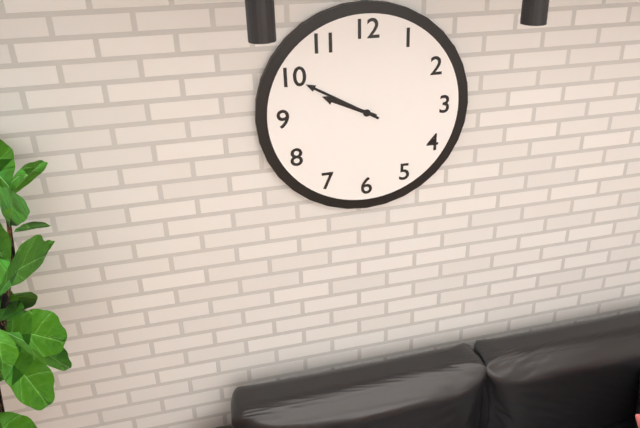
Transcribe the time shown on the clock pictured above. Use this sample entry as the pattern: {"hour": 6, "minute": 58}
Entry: {"hour": 9, "minute": 50}
